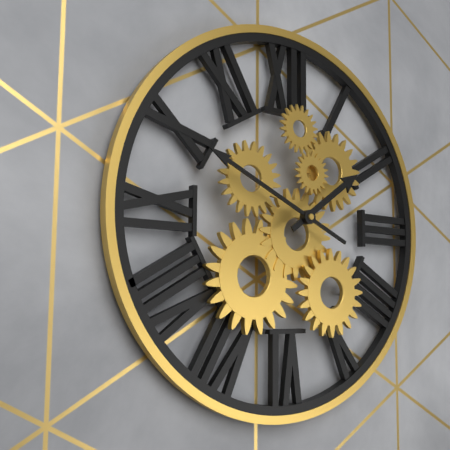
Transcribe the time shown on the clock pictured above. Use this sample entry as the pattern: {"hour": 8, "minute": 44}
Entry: {"hour": 1, "minute": 49}
